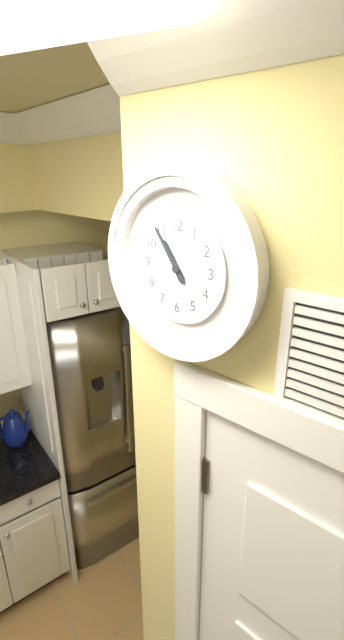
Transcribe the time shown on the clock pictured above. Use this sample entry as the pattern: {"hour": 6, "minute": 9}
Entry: {"hour": 10, "minute": 54}
